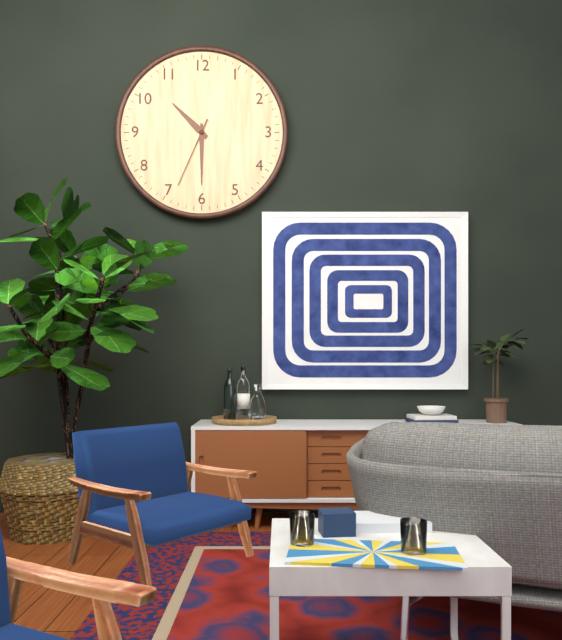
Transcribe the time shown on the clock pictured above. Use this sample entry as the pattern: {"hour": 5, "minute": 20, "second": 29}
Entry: {"hour": 10, "minute": 30, "second": 34}
